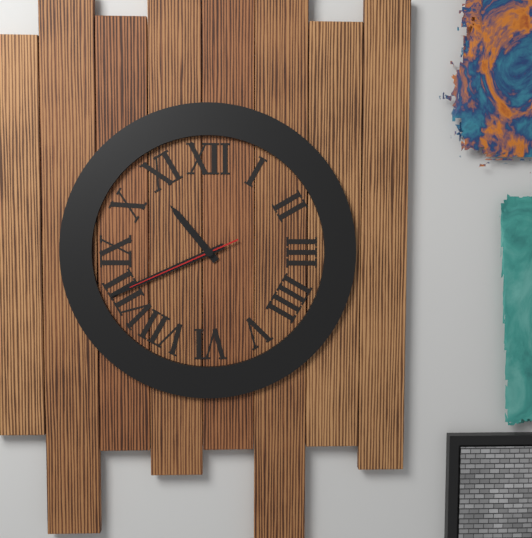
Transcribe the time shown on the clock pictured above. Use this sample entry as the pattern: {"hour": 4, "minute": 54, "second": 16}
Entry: {"hour": 10, "minute": 41, "second": 41}
